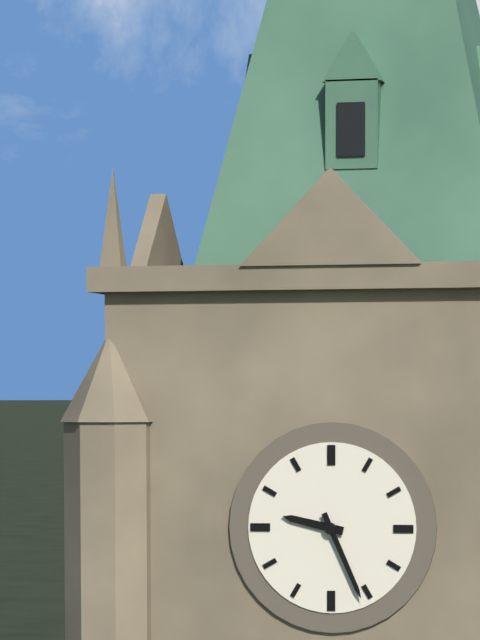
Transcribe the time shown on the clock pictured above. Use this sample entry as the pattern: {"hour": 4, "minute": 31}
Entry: {"hour": 9, "minute": 26}
